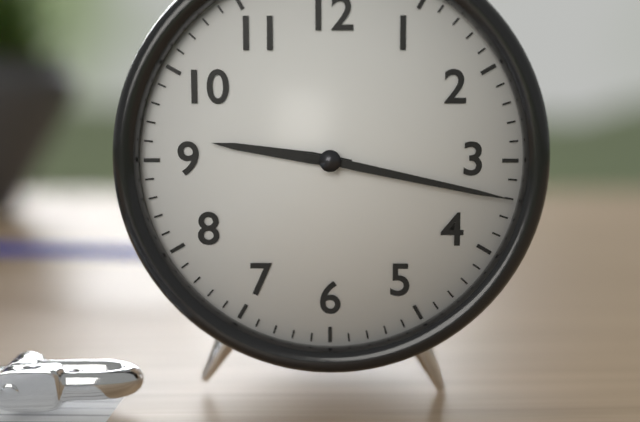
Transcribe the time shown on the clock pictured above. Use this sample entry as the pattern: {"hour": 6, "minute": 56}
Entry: {"hour": 9, "minute": 17}
